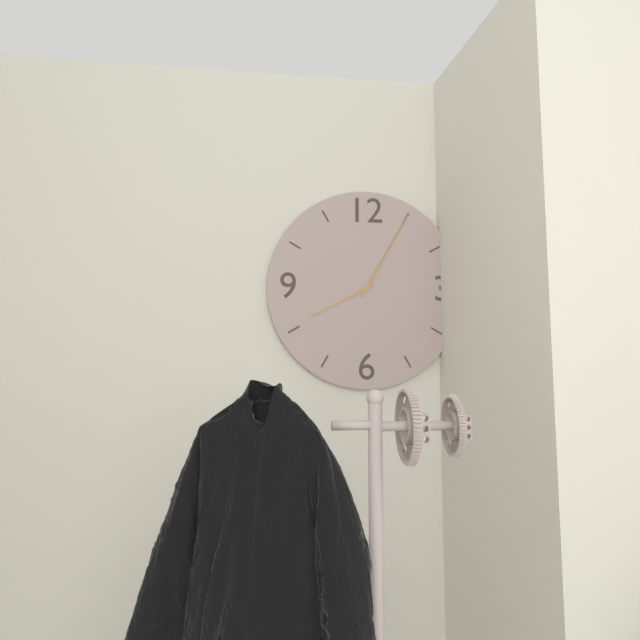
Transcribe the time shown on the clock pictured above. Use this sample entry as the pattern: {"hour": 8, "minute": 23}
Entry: {"hour": 8, "minute": 5}
